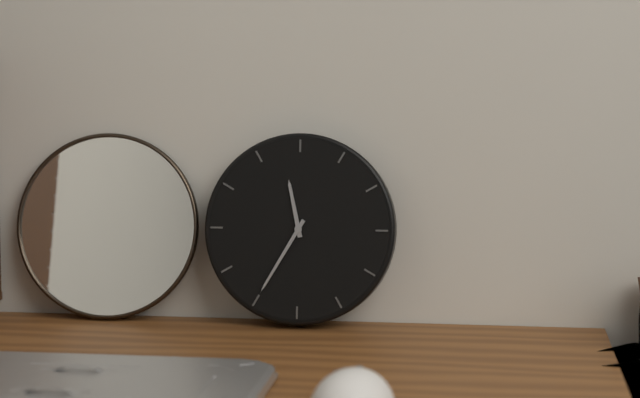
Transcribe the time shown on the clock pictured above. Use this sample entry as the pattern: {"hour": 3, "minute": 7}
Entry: {"hour": 11, "minute": 35}
